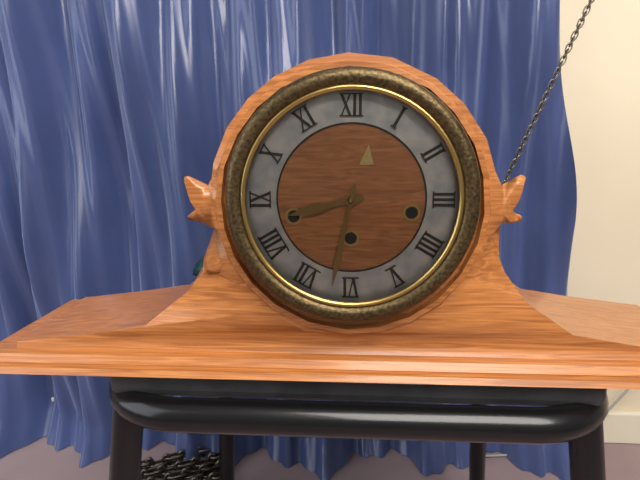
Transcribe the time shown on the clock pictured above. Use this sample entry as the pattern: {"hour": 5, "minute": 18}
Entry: {"hour": 8, "minute": 32}
